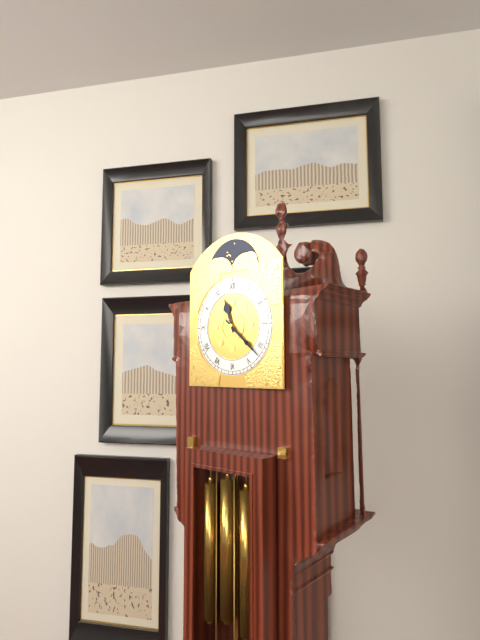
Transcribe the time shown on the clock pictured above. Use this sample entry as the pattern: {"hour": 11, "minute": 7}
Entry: {"hour": 11, "minute": 22}
